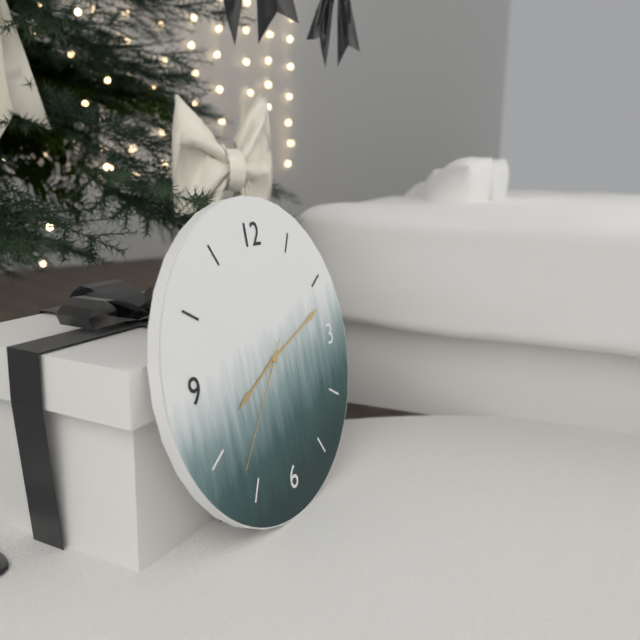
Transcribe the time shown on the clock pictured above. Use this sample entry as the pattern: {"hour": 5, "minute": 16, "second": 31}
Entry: {"hour": 8, "minute": 12, "second": 37}
